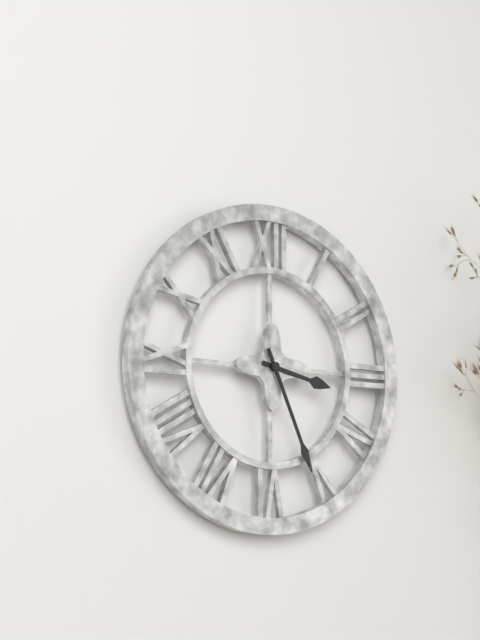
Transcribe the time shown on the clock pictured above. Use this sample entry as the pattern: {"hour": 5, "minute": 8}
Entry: {"hour": 3, "minute": 26}
